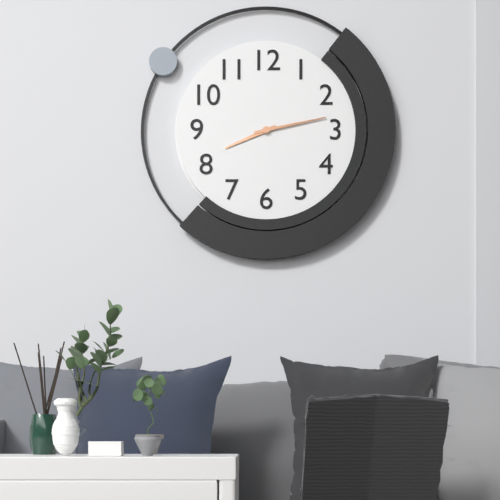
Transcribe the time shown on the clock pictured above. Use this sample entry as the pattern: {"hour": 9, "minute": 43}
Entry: {"hour": 8, "minute": 13}
